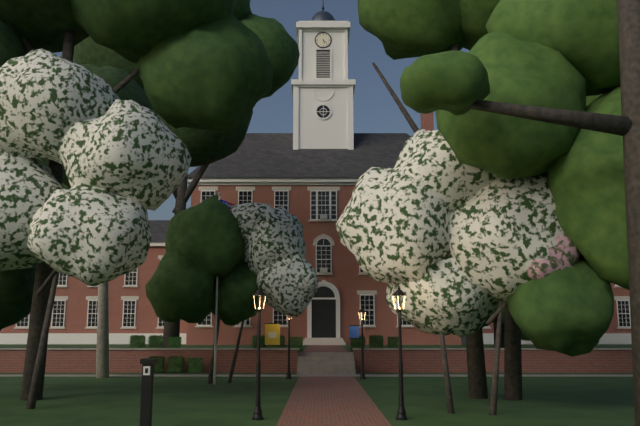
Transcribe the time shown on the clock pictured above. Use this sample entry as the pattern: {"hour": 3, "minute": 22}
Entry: {"hour": 5, "minute": 23}
